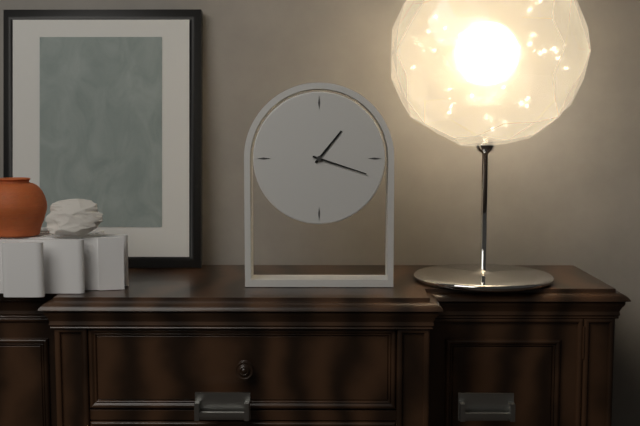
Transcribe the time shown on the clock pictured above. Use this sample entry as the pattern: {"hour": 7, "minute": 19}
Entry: {"hour": 1, "minute": 18}
